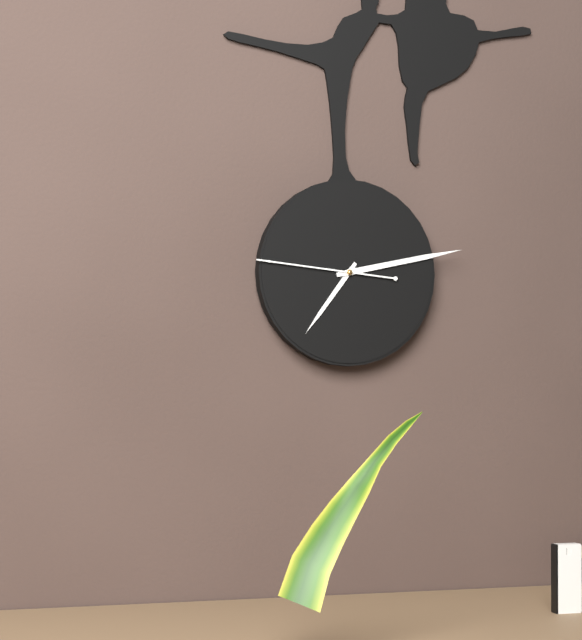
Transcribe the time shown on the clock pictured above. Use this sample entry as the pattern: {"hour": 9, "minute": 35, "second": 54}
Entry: {"hour": 7, "minute": 13, "second": 46}
